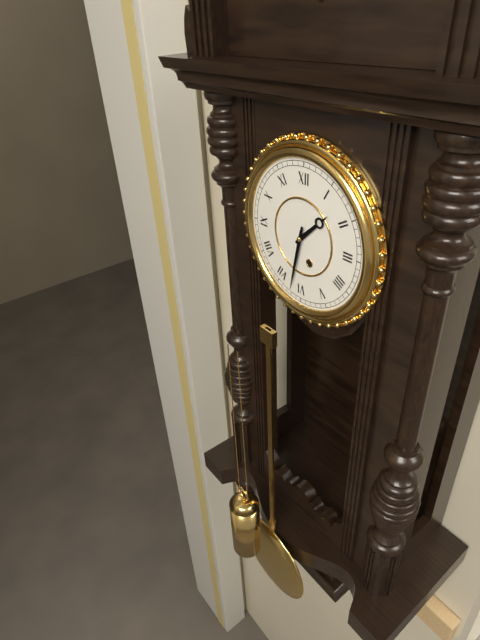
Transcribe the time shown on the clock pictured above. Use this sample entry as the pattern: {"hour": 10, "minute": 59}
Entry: {"hour": 1, "minute": 32}
